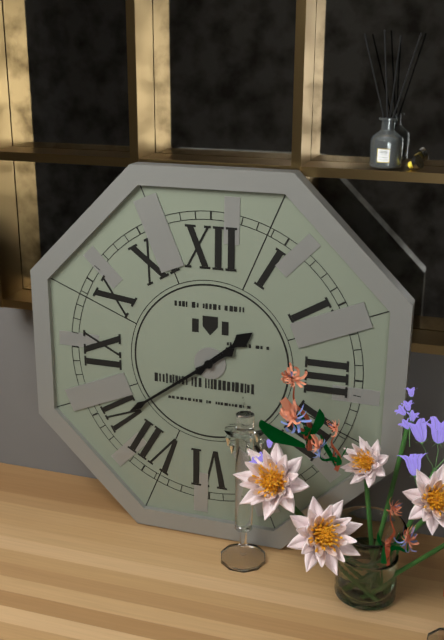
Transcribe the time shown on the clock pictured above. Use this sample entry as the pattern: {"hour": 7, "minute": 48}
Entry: {"hour": 1, "minute": 39}
